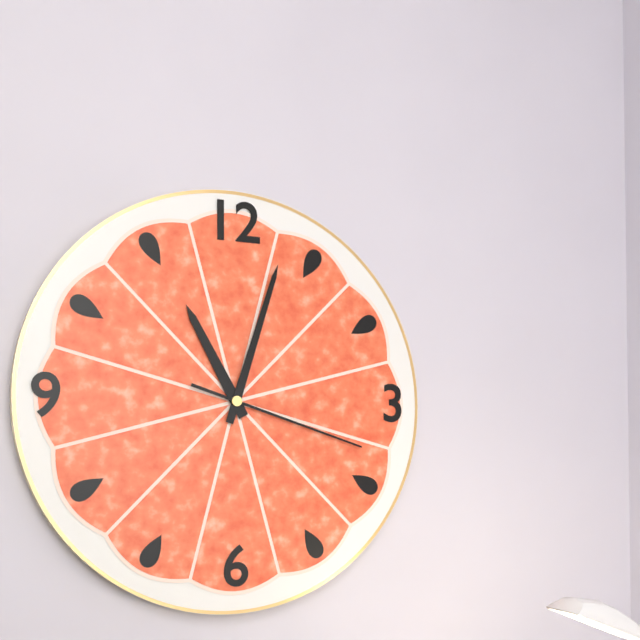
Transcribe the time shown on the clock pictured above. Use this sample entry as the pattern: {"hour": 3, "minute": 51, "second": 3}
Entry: {"hour": 11, "minute": 3, "second": 18}
